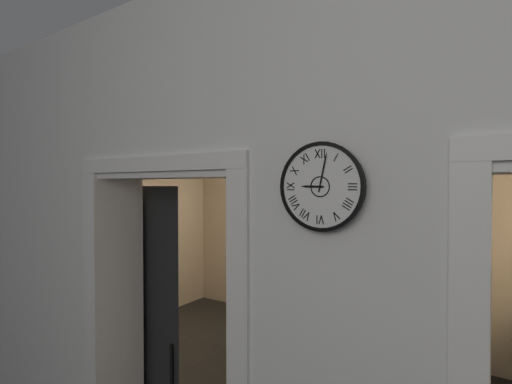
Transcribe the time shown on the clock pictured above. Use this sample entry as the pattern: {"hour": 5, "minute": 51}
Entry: {"hour": 9, "minute": 2}
